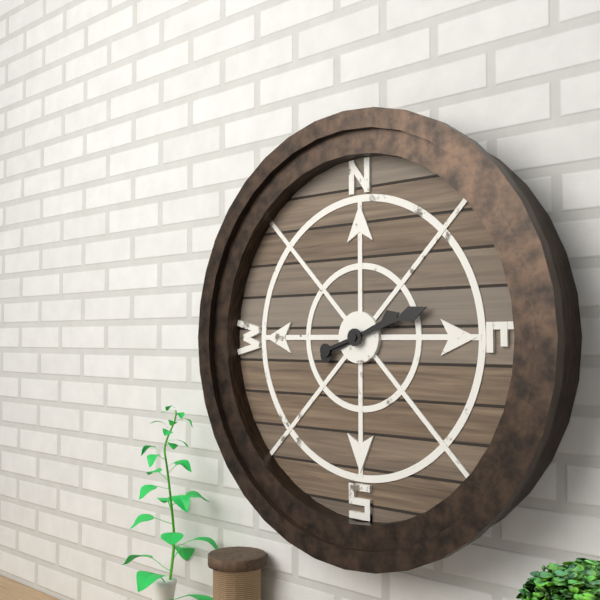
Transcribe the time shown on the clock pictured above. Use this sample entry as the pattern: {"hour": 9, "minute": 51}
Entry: {"hour": 2, "minute": 12}
